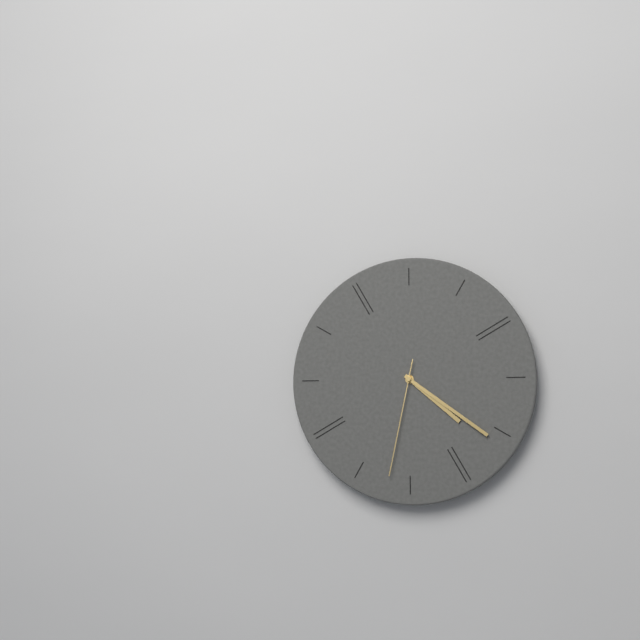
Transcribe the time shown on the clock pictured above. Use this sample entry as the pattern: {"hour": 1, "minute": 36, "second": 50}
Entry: {"hour": 4, "minute": 21, "second": 32}
